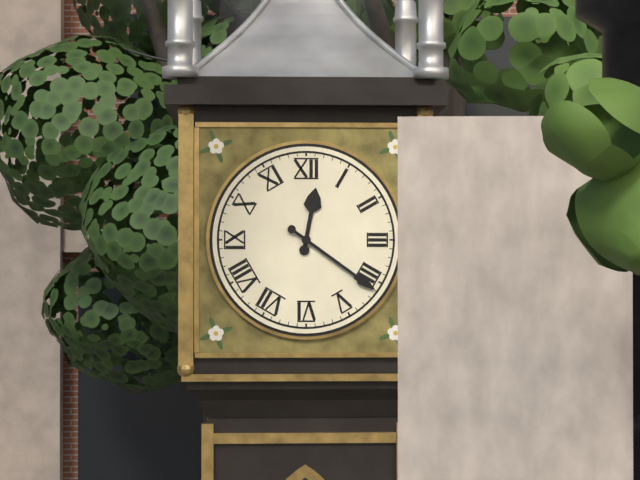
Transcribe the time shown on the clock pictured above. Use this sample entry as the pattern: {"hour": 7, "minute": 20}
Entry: {"hour": 12, "minute": 21}
